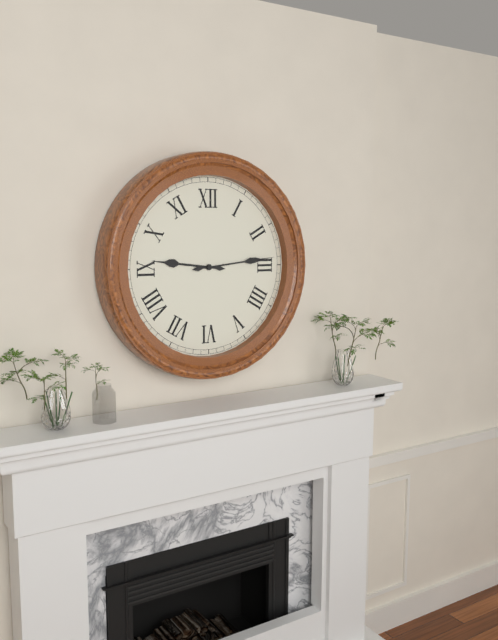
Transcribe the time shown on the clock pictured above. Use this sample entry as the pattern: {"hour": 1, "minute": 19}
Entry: {"hour": 9, "minute": 14}
